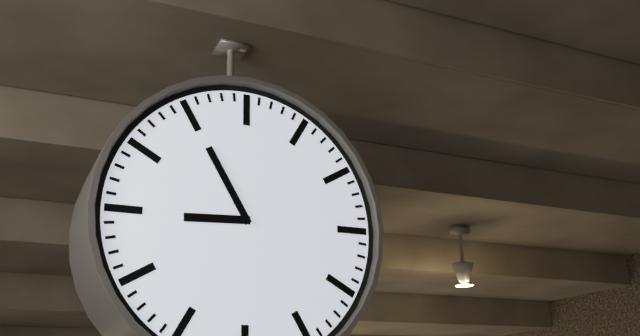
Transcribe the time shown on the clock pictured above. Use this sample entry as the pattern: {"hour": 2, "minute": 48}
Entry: {"hour": 8, "minute": 55}
